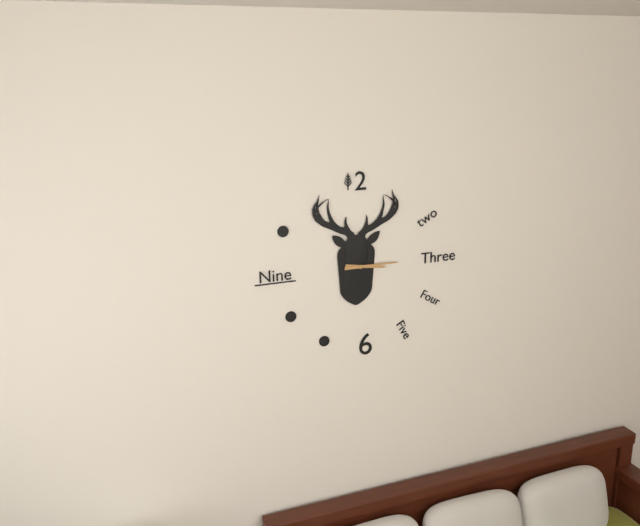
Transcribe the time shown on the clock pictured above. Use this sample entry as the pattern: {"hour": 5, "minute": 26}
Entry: {"hour": 3, "minute": 15}
